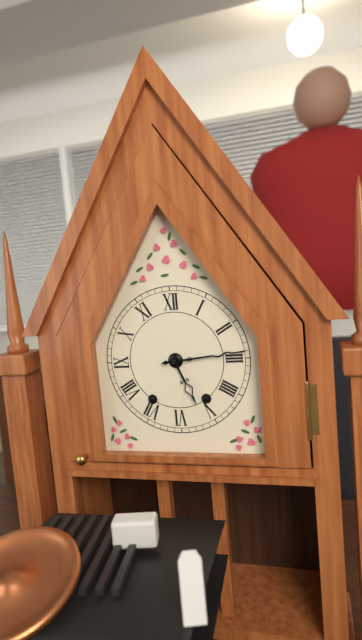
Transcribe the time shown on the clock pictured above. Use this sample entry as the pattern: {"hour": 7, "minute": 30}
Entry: {"hour": 5, "minute": 14}
